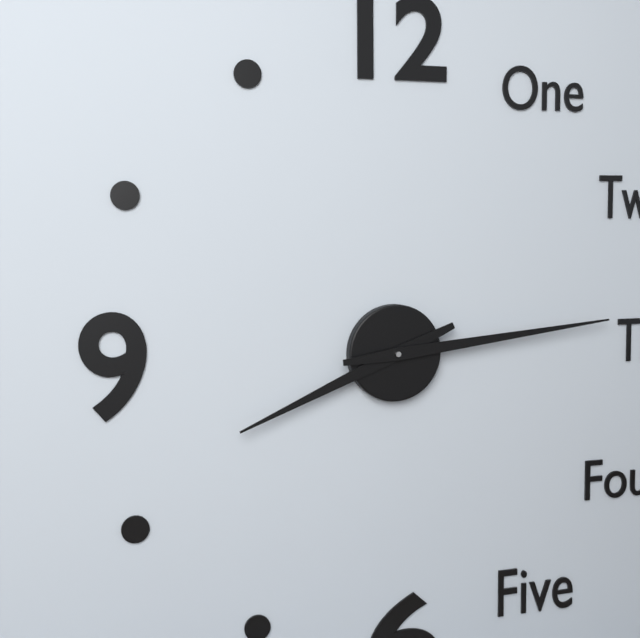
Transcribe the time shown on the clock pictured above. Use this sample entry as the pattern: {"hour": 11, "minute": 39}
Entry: {"hour": 8, "minute": 14}
